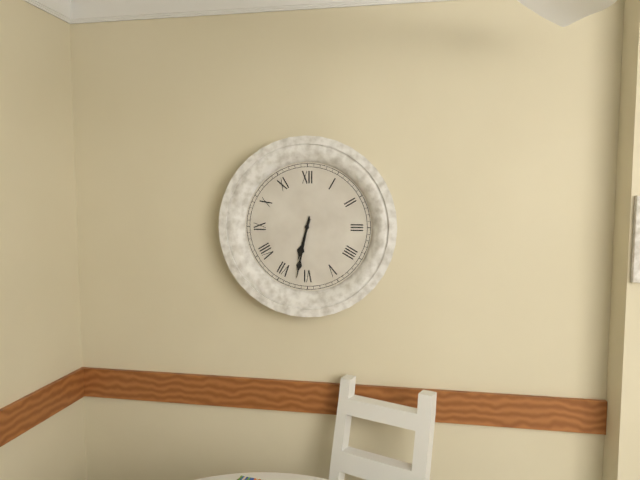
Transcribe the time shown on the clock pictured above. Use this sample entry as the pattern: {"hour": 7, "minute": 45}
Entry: {"hour": 6, "minute": 32}
